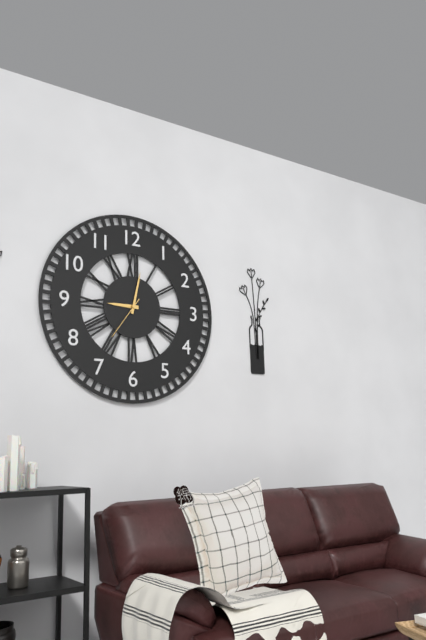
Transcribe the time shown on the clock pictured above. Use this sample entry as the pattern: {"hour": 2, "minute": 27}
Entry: {"hour": 9, "minute": 2}
